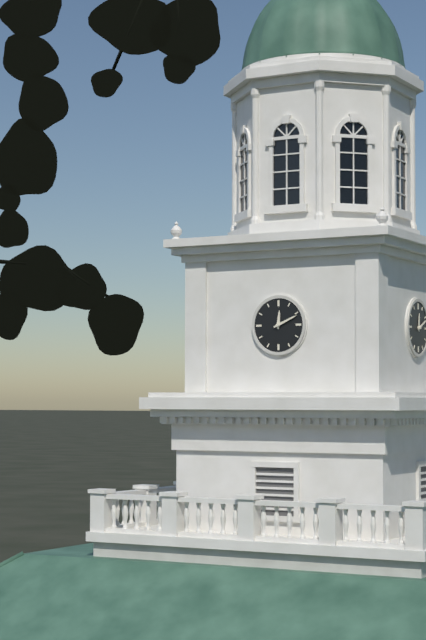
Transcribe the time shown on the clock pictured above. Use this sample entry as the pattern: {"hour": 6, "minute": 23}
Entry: {"hour": 12, "minute": 11}
